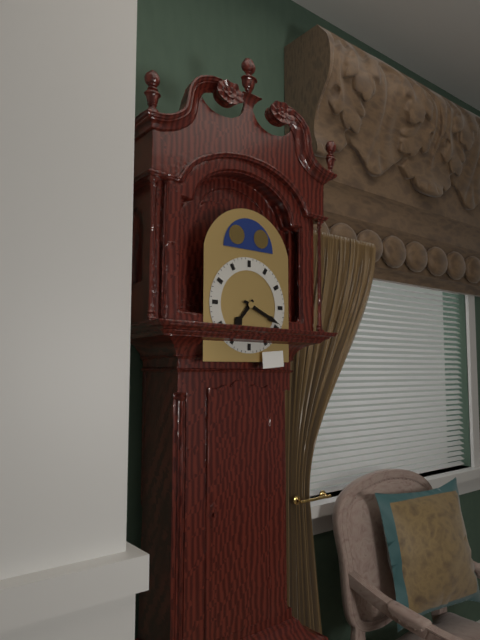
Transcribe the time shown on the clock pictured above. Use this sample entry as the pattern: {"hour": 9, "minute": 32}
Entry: {"hour": 7, "minute": 19}
